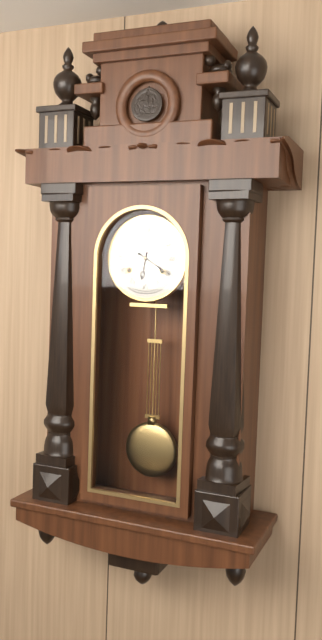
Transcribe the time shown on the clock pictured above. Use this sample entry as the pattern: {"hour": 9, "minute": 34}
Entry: {"hour": 6, "minute": 20}
